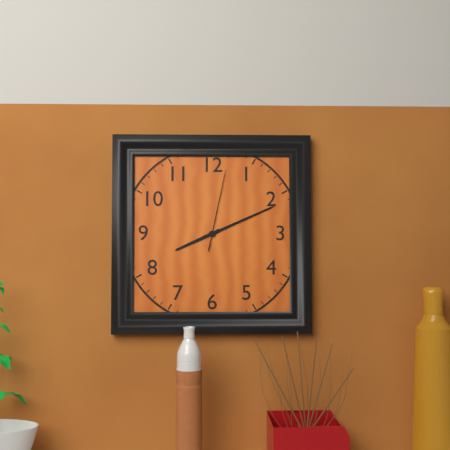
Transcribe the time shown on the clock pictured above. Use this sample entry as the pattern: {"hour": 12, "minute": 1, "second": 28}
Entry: {"hour": 8, "minute": 11, "second": 2}
